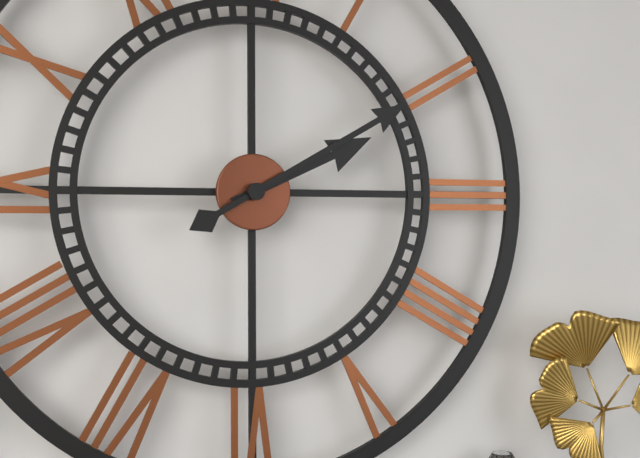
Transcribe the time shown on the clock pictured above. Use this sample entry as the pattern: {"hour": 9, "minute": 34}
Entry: {"hour": 2, "minute": 10}
